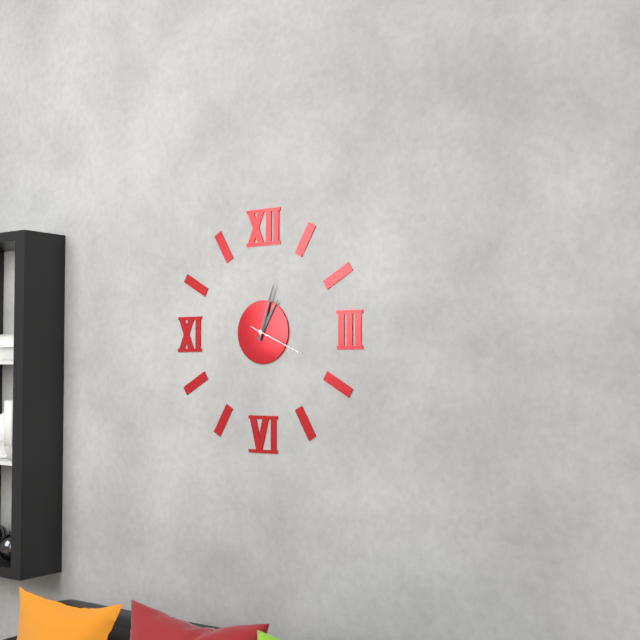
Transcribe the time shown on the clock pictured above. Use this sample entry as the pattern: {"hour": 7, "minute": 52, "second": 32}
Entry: {"hour": 1, "minute": 3, "second": 19}
